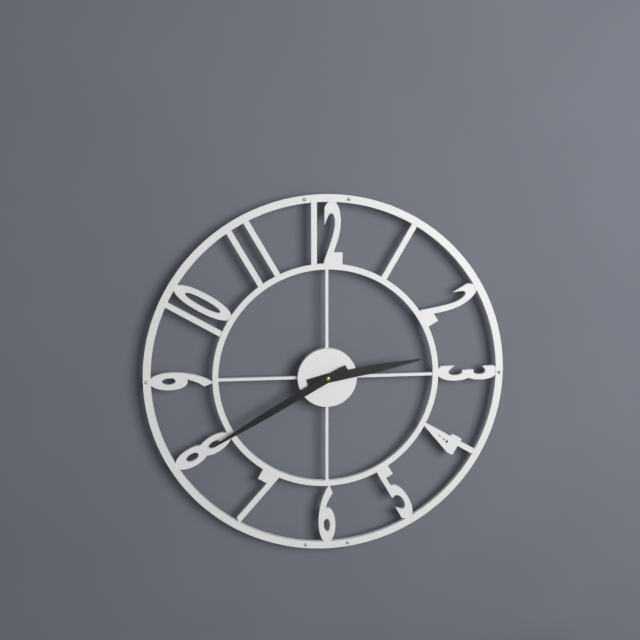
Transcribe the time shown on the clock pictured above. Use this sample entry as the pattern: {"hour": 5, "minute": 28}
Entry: {"hour": 2, "minute": 40}
